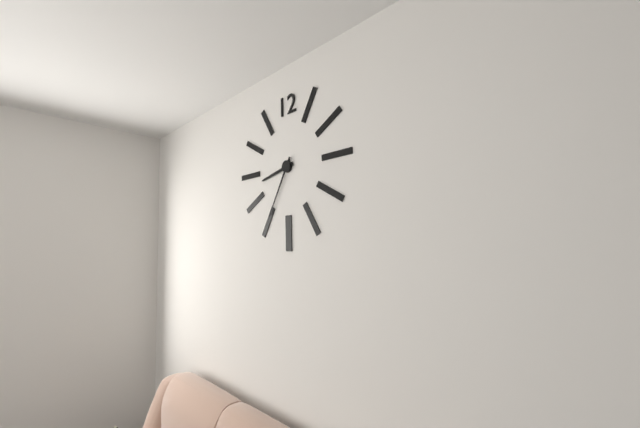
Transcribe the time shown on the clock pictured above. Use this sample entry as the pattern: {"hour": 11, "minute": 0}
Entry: {"hour": 8, "minute": 35}
